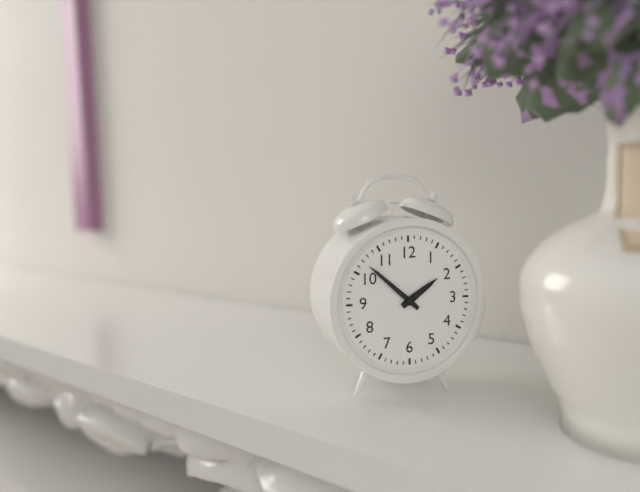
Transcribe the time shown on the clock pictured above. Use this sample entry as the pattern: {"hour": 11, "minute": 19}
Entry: {"hour": 1, "minute": 52}
